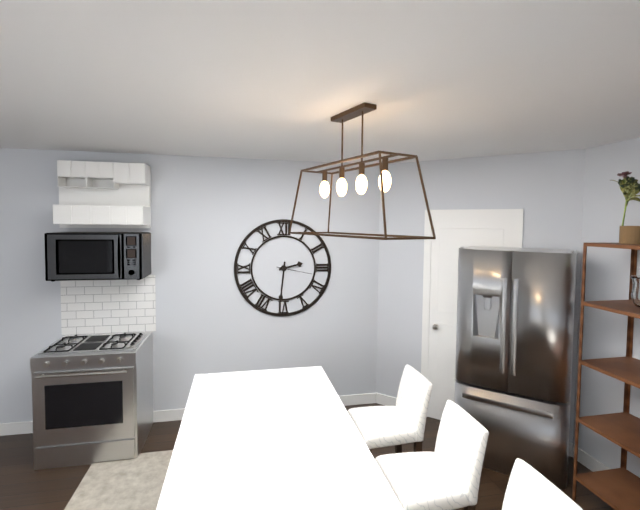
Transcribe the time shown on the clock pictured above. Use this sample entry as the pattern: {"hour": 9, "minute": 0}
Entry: {"hour": 2, "minute": 31}
